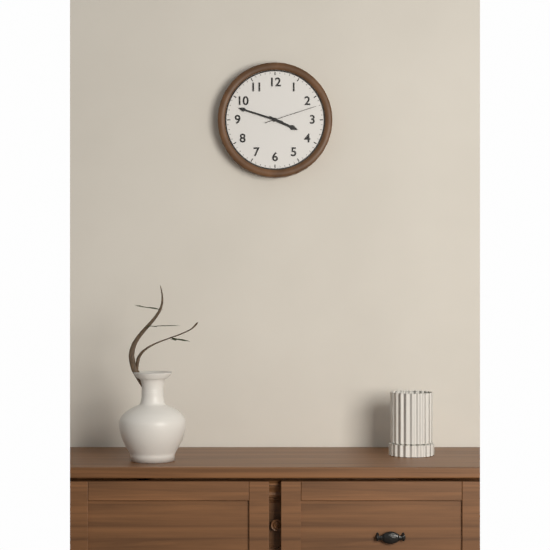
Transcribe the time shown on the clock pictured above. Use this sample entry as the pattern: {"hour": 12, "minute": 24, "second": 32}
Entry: {"hour": 3, "minute": 48, "second": 12}
